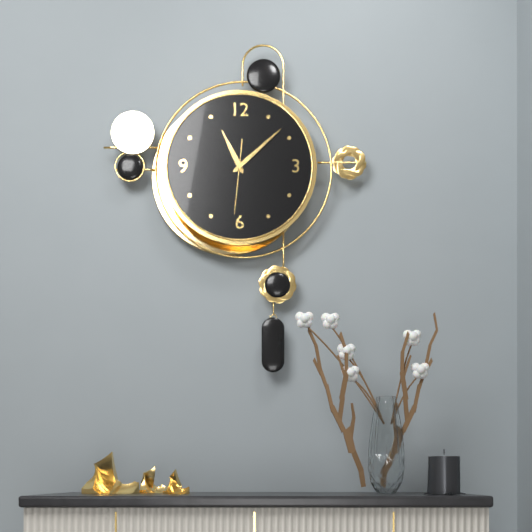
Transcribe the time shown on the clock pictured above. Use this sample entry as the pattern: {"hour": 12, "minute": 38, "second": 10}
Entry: {"hour": 11, "minute": 8, "second": 31}
